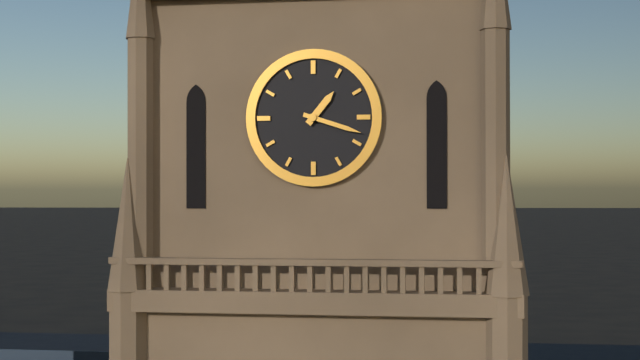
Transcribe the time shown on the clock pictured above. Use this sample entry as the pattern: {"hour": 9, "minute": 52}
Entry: {"hour": 1, "minute": 18}
